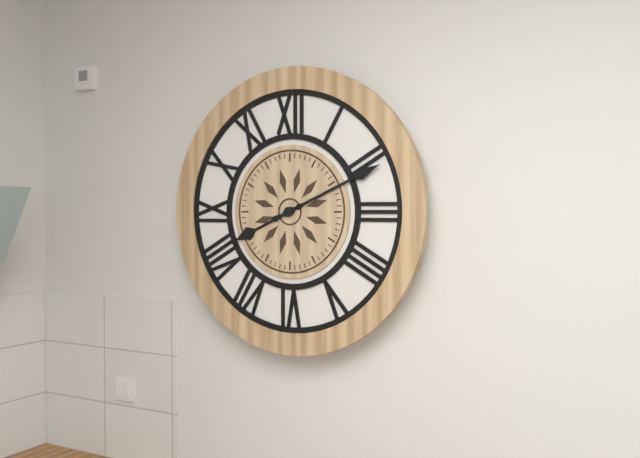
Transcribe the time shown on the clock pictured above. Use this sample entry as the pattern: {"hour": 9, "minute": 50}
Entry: {"hour": 8, "minute": 11}
